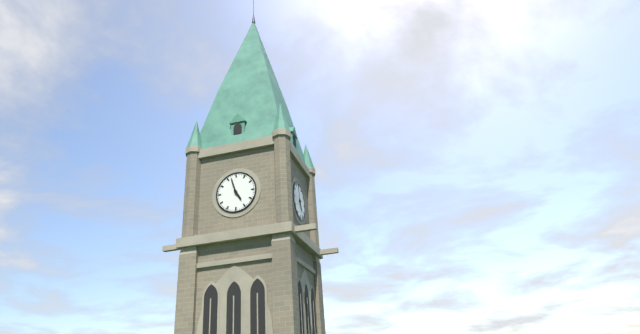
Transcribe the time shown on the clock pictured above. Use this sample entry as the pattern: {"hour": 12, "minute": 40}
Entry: {"hour": 4, "minute": 57}
